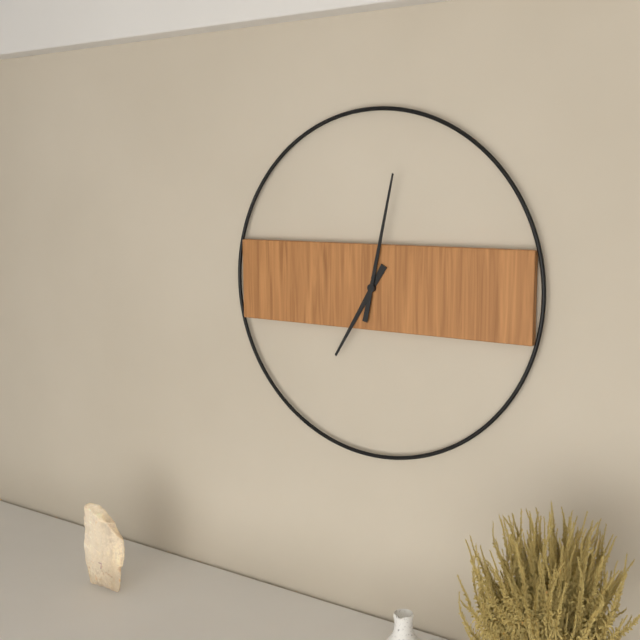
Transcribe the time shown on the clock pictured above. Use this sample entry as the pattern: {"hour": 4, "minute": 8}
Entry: {"hour": 7, "minute": 2}
